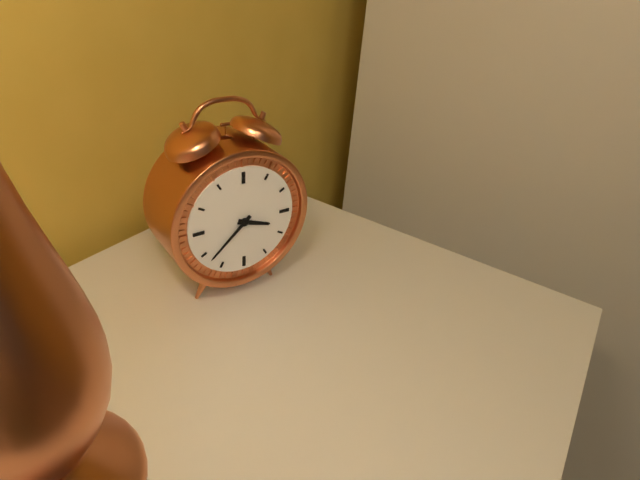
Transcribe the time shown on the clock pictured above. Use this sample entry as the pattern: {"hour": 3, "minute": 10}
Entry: {"hour": 3, "minute": 38}
